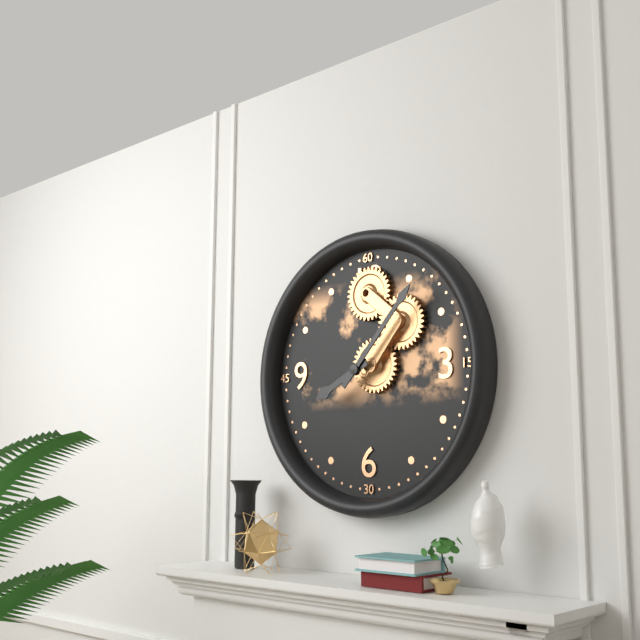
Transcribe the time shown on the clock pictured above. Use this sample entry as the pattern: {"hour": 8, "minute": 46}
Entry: {"hour": 8, "minute": 7}
